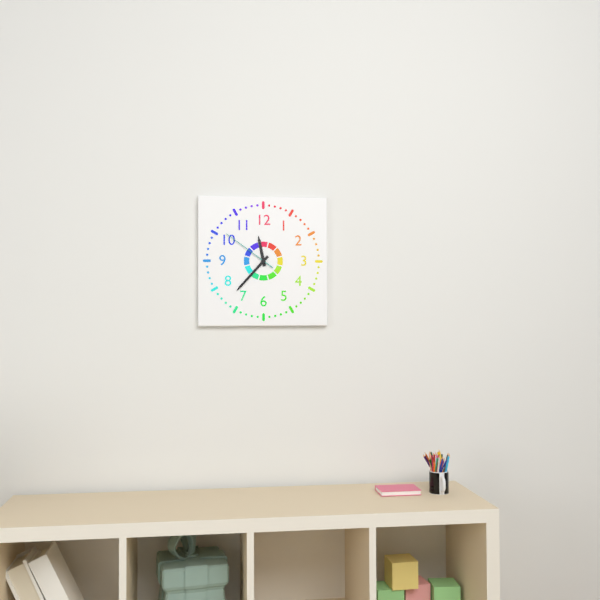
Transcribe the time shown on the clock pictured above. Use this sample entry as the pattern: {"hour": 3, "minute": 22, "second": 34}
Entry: {"hour": 11, "minute": 37, "second": 51}
